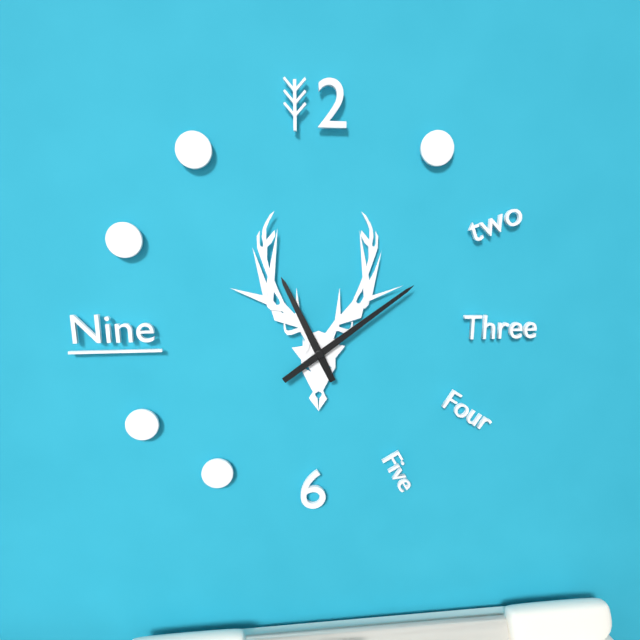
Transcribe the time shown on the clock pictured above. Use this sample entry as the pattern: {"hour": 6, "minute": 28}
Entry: {"hour": 11, "minute": 9}
